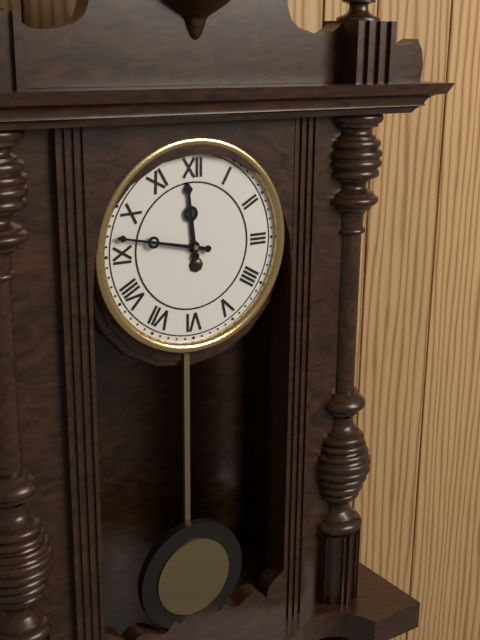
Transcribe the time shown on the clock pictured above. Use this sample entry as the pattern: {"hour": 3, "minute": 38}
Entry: {"hour": 11, "minute": 47}
